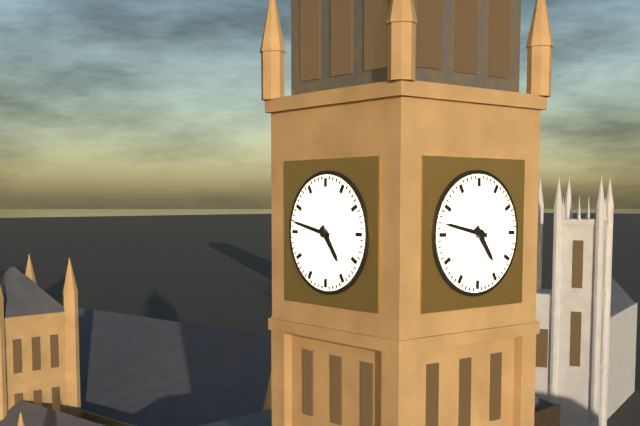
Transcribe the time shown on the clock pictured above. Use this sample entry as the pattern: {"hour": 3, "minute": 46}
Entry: {"hour": 4, "minute": 47}
